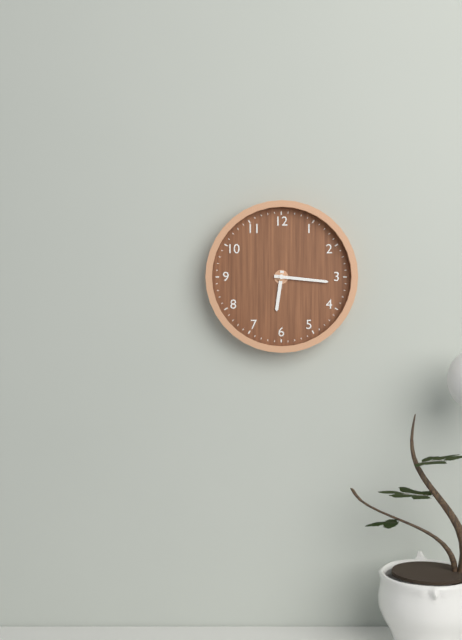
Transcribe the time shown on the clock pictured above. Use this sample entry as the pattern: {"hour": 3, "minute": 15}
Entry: {"hour": 6, "minute": 16}
